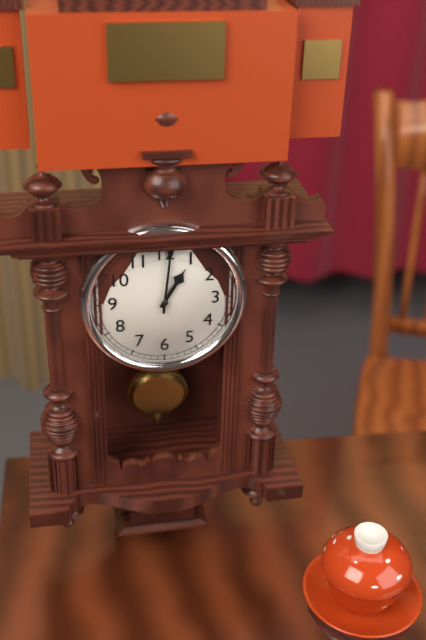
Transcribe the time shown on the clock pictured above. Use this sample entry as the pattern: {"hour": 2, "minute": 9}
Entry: {"hour": 1, "minute": 1}
